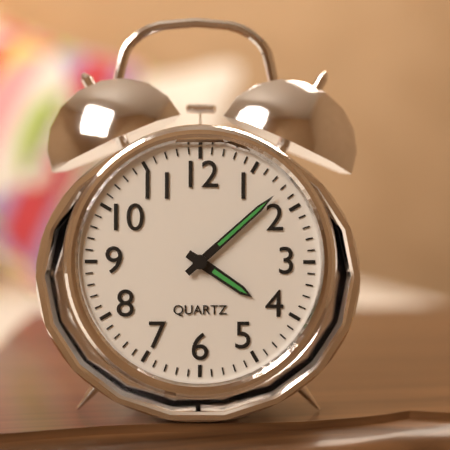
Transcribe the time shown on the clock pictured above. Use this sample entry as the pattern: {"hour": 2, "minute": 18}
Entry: {"hour": 4, "minute": 8}
